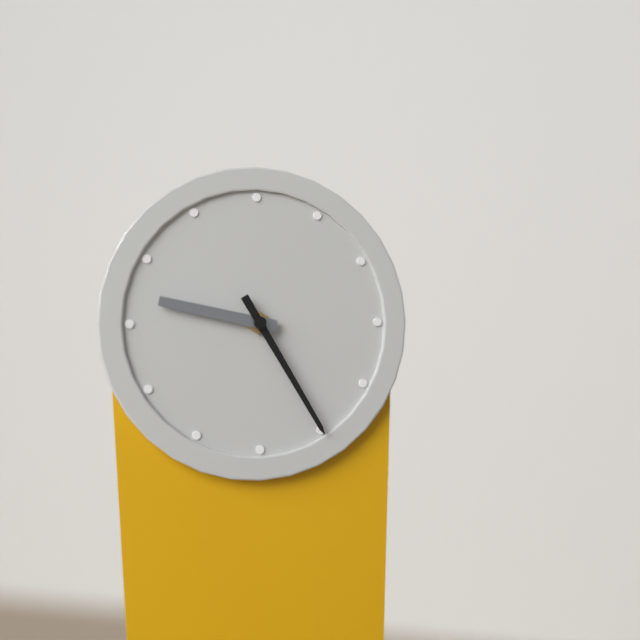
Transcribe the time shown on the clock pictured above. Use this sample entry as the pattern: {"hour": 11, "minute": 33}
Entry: {"hour": 9, "minute": 25}
